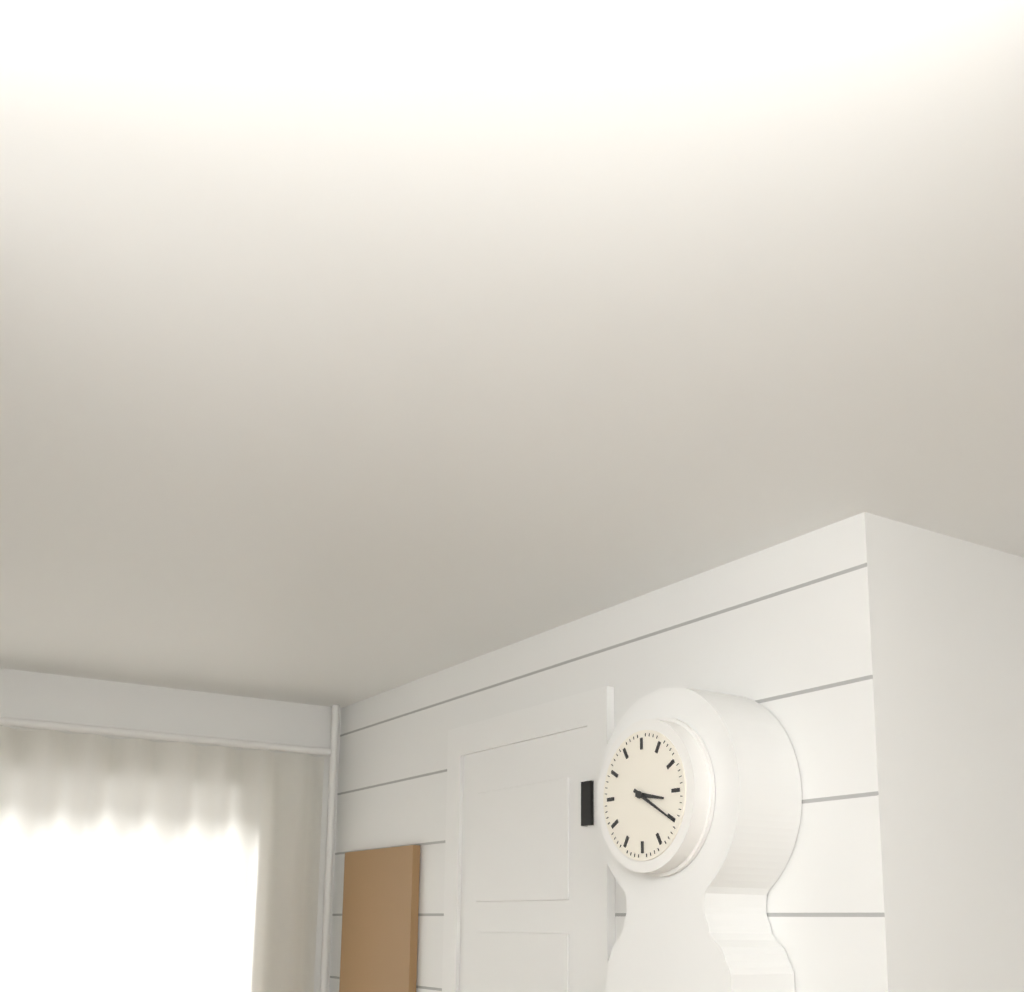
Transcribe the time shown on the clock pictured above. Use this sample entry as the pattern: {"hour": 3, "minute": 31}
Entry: {"hour": 3, "minute": 20}
